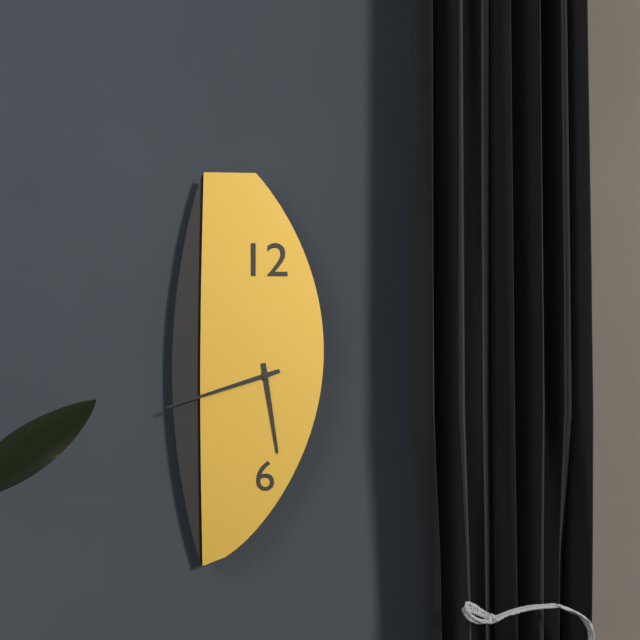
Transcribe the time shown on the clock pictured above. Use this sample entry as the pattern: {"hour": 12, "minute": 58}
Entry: {"hour": 5, "minute": 42}
